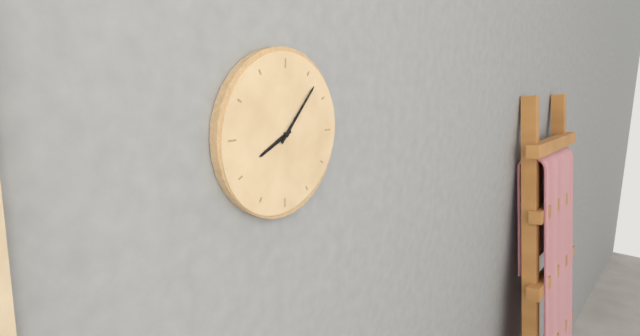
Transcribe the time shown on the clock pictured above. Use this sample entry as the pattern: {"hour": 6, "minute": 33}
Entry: {"hour": 8, "minute": 7}
